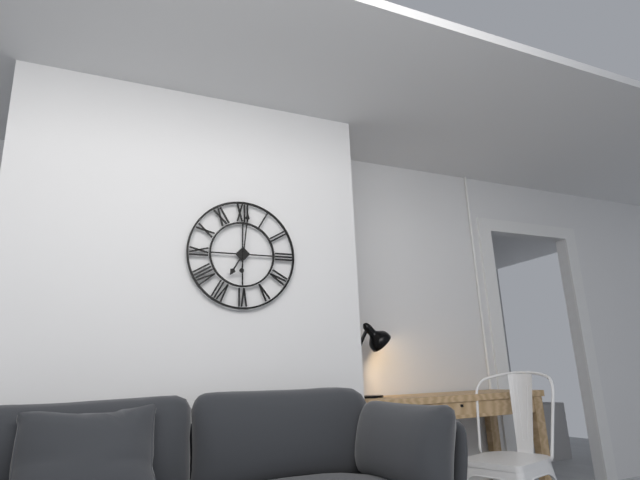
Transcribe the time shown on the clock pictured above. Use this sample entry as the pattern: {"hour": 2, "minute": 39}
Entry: {"hour": 7, "minute": 1}
